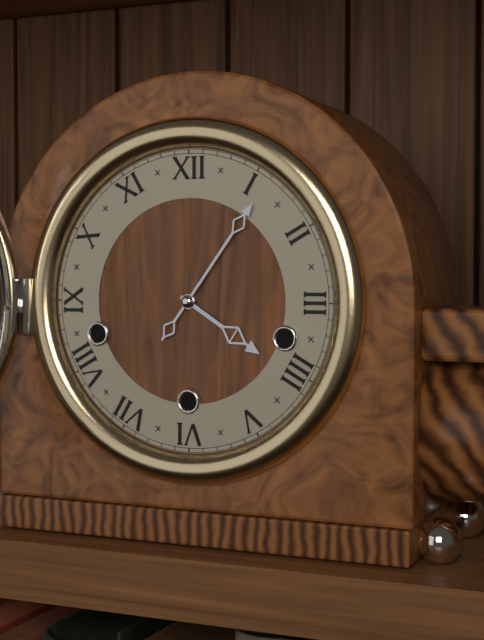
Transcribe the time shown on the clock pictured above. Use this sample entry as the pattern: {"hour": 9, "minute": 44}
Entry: {"hour": 4, "minute": 6}
